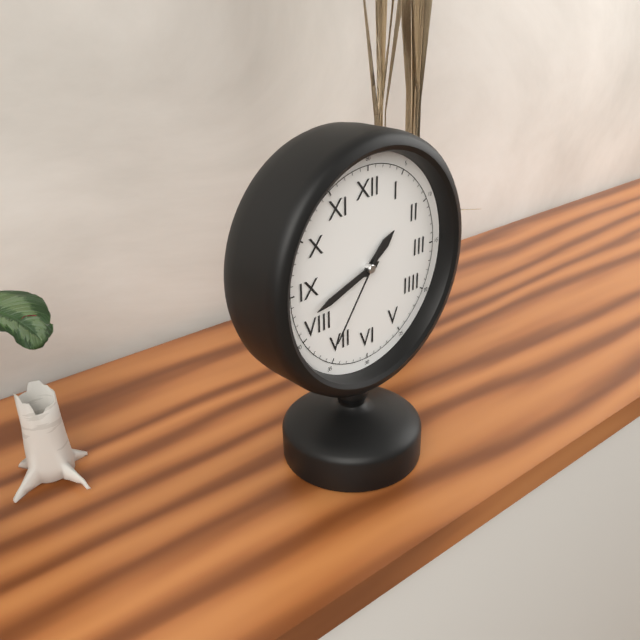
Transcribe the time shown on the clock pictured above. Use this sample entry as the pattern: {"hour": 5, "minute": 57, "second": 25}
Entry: {"hour": 1, "minute": 42, "second": 36}
